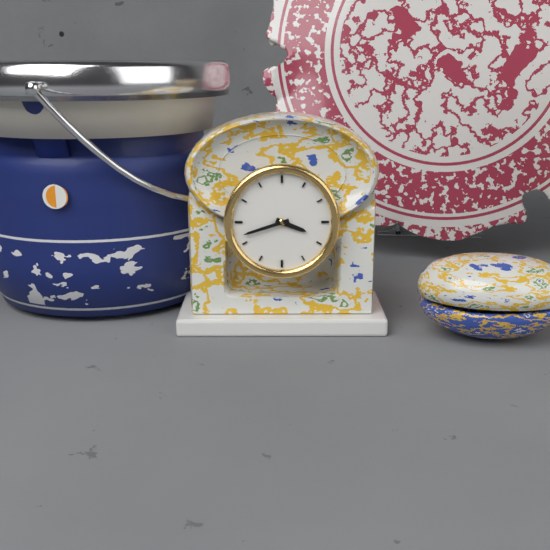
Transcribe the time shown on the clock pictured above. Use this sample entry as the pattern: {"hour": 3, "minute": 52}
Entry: {"hour": 3, "minute": 42}
